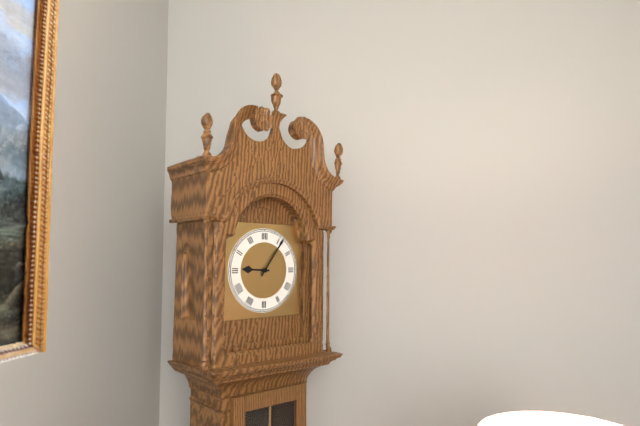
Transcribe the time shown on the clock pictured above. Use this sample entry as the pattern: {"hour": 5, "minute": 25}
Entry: {"hour": 9, "minute": 6}
